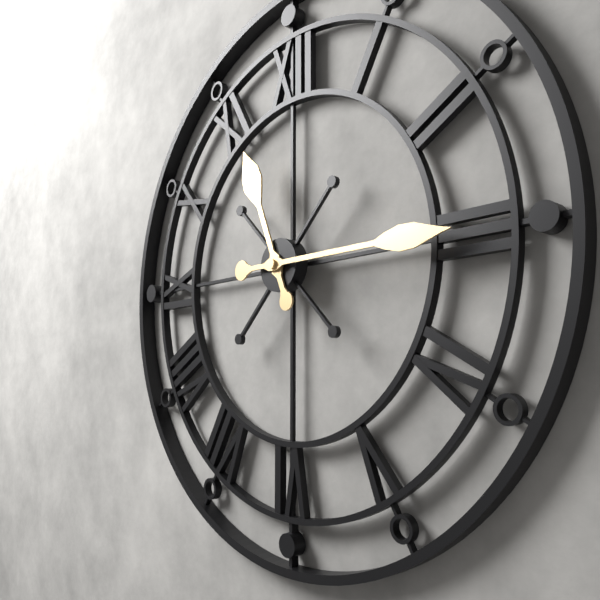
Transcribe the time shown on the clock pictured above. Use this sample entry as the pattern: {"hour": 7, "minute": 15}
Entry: {"hour": 11, "minute": 15}
